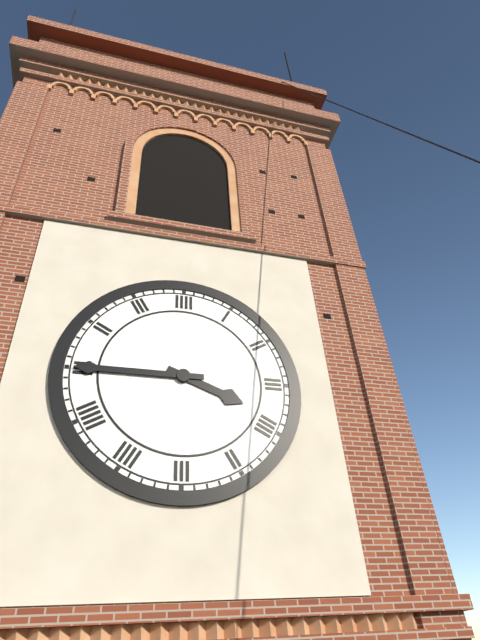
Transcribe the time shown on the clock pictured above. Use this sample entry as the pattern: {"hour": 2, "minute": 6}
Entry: {"hour": 3, "minute": 45}
